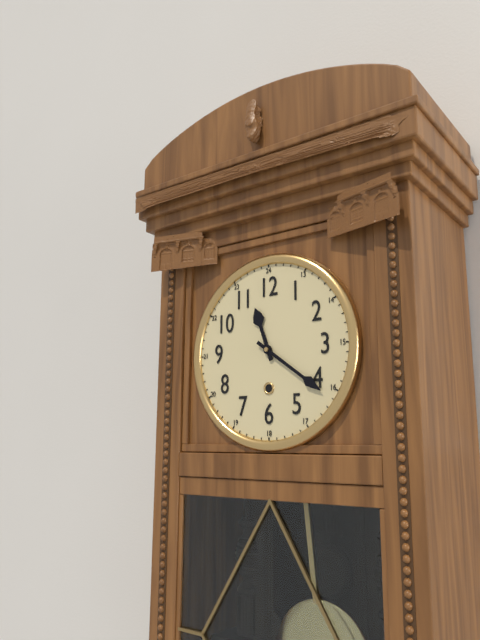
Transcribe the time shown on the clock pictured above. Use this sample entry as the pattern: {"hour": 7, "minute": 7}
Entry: {"hour": 11, "minute": 21}
